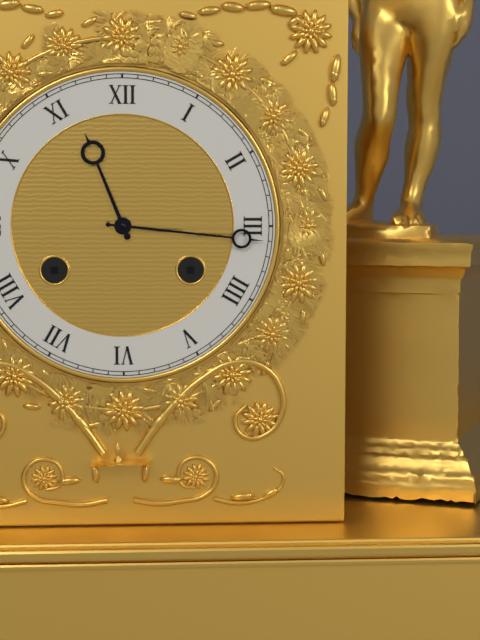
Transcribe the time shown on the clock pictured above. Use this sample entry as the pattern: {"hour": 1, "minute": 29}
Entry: {"hour": 11, "minute": 16}
